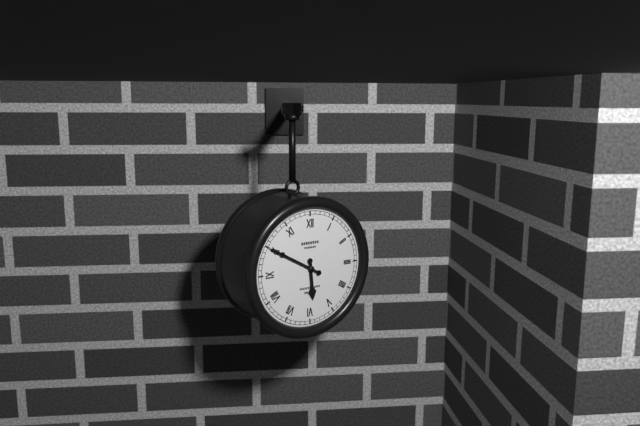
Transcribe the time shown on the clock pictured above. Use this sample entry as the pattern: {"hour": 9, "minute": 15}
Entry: {"hour": 5, "minute": 50}
